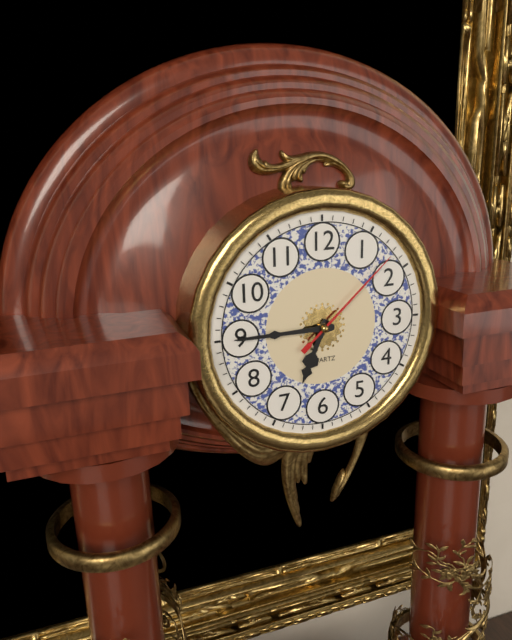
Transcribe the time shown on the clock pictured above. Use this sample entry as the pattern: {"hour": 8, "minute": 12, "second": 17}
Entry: {"hour": 6, "minute": 45, "second": 8}
